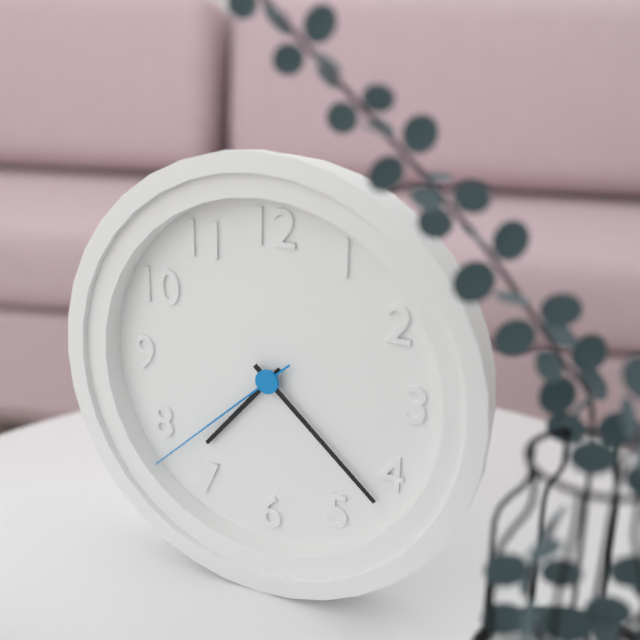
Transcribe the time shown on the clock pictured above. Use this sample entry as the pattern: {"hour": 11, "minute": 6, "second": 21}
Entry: {"hour": 7, "minute": 22, "second": 38}
